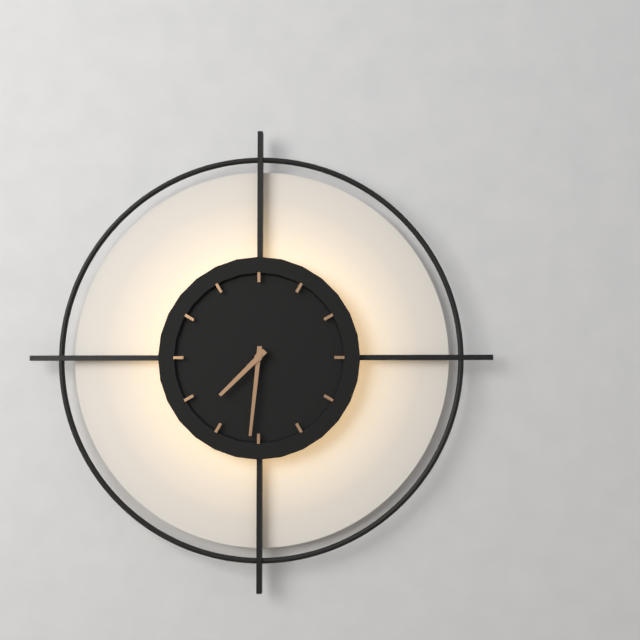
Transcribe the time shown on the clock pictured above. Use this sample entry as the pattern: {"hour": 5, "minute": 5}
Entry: {"hour": 7, "minute": 31}
